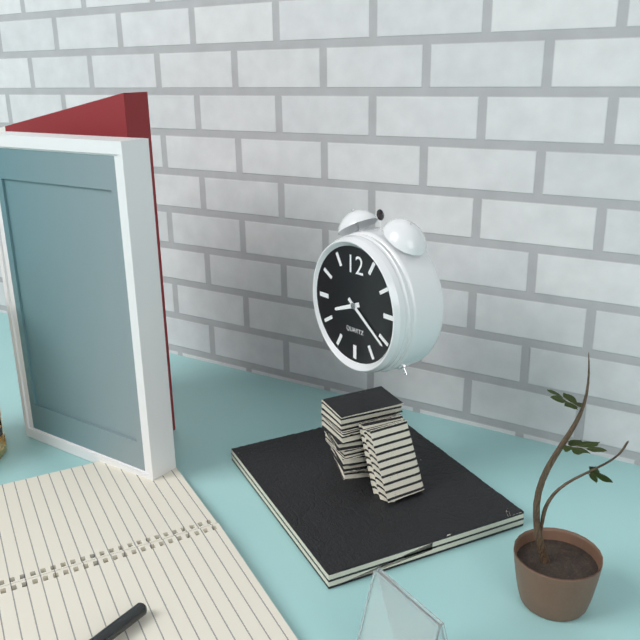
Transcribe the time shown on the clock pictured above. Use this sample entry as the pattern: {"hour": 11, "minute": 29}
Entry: {"hour": 8, "minute": 21}
